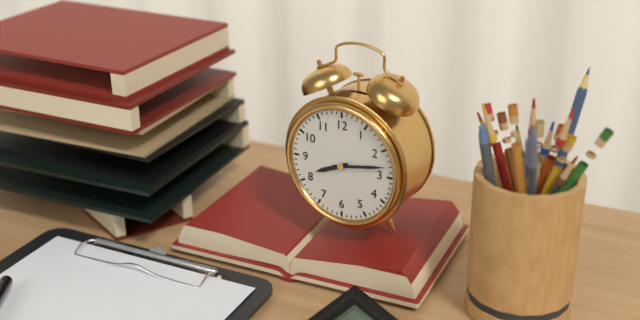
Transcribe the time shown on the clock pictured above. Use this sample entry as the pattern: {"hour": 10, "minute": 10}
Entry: {"hour": 8, "minute": 13}
